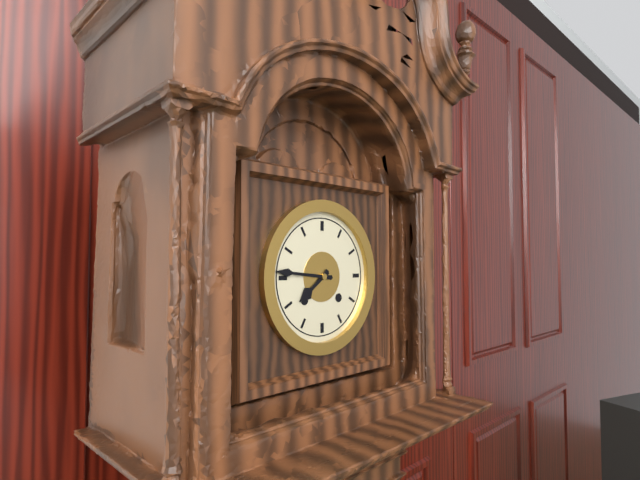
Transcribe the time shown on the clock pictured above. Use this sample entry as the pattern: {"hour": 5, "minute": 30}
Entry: {"hour": 7, "minute": 46}
